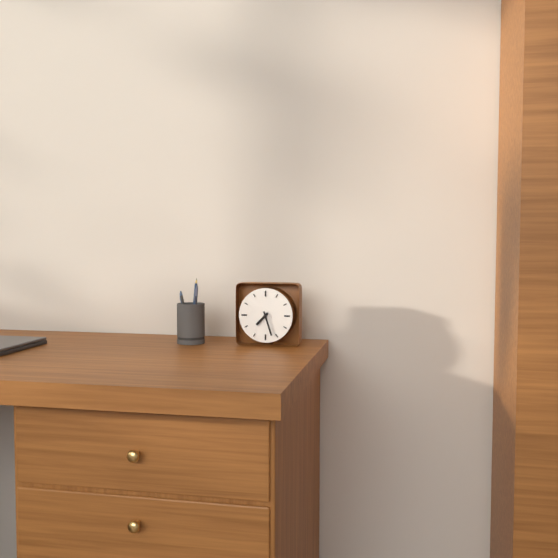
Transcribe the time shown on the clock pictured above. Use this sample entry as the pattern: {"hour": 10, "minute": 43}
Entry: {"hour": 7, "minute": 27}
